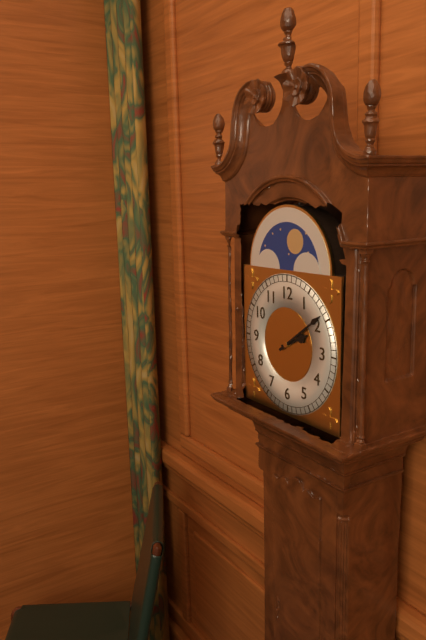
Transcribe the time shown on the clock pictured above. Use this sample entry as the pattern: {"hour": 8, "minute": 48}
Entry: {"hour": 2, "minute": 9}
